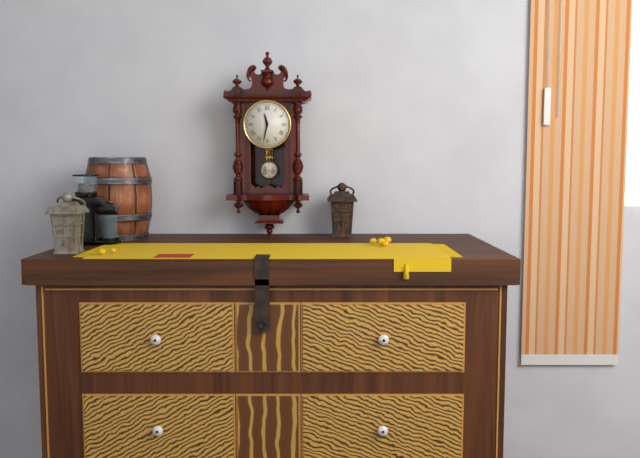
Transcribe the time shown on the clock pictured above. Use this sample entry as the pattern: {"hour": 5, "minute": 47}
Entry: {"hour": 11, "minute": 32}
